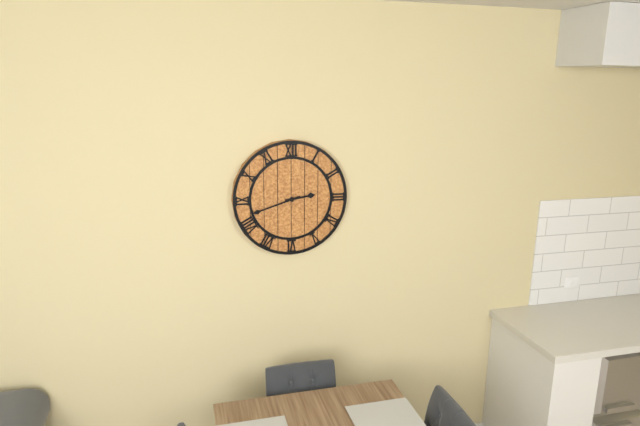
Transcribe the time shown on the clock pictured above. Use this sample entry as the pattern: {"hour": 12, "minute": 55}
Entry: {"hour": 2, "minute": 42}
